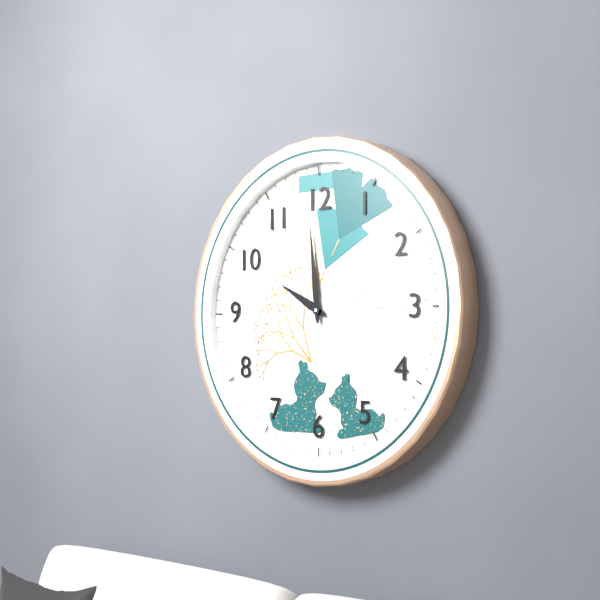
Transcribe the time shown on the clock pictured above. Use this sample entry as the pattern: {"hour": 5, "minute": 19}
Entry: {"hour": 9, "minute": 59}
